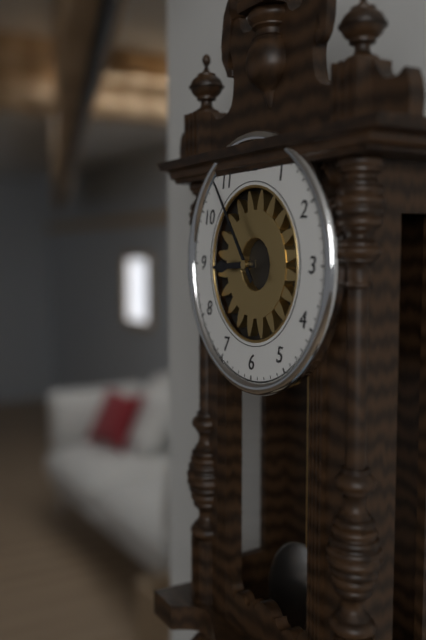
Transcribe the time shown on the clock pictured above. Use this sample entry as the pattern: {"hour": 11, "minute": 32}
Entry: {"hour": 8, "minute": 54}
